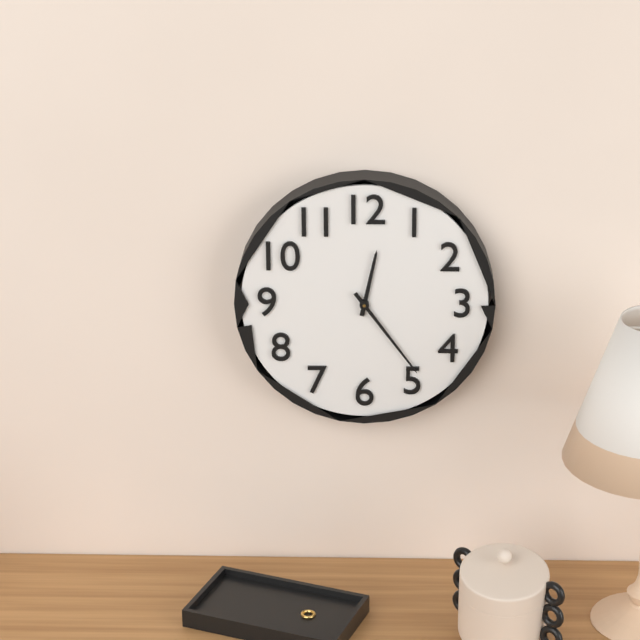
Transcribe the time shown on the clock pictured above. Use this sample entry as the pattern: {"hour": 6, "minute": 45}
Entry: {"hour": 12, "minute": 24}
